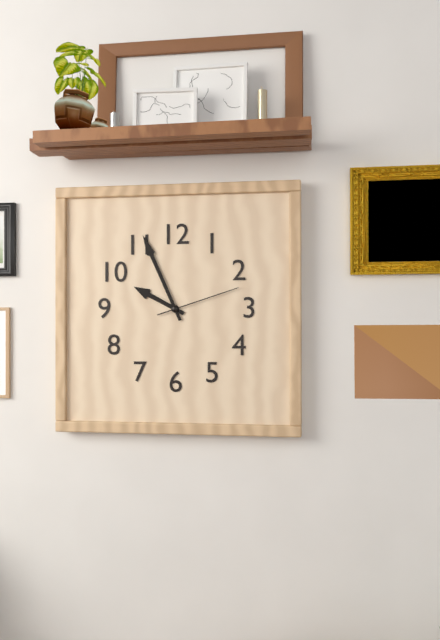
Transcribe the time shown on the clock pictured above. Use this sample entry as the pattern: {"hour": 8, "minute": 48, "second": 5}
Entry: {"hour": 9, "minute": 56, "second": 12}
